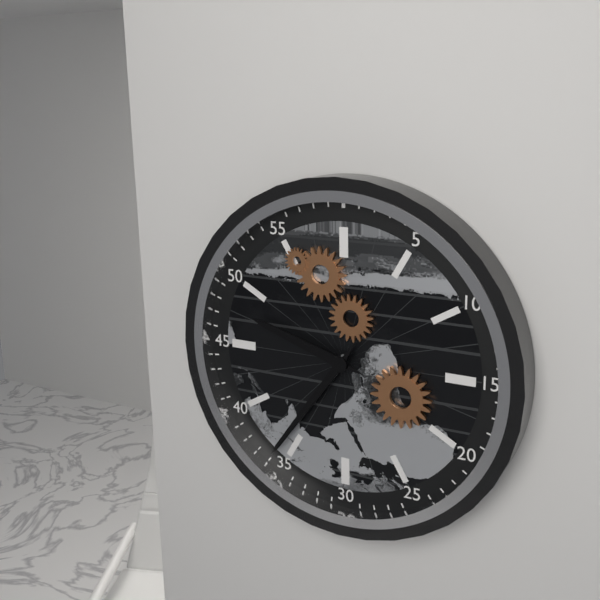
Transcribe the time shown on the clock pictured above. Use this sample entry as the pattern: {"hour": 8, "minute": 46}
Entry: {"hour": 9, "minute": 36}
